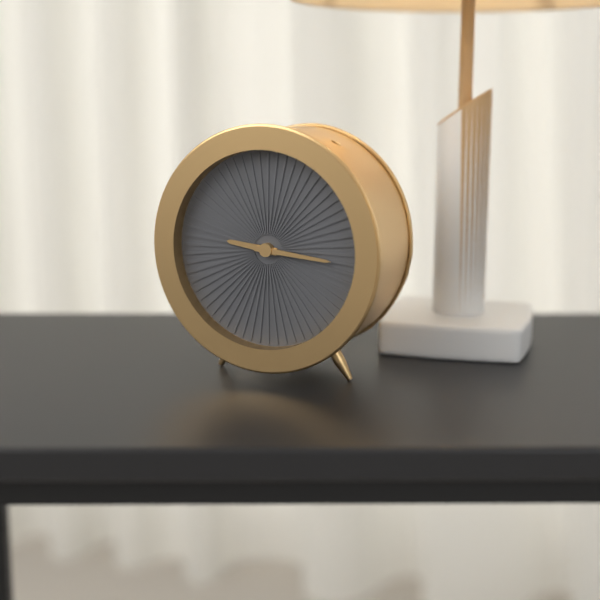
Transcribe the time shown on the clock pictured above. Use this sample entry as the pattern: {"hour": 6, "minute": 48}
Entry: {"hour": 9, "minute": 16}
